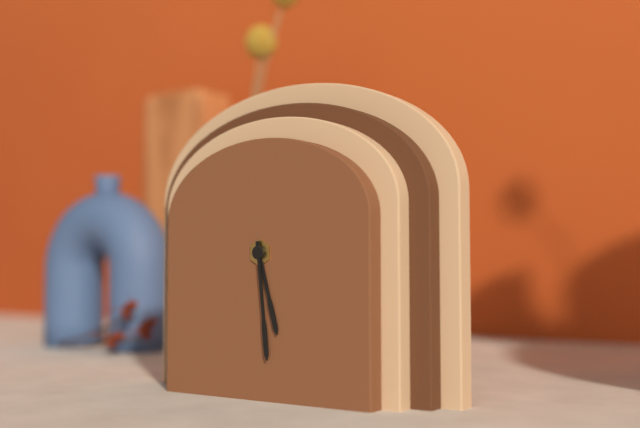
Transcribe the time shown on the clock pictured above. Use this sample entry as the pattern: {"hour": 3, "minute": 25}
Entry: {"hour": 5, "minute": 29}
